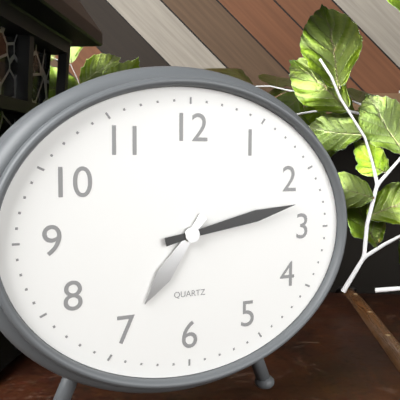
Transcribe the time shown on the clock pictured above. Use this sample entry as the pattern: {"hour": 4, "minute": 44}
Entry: {"hour": 7, "minute": 13}
